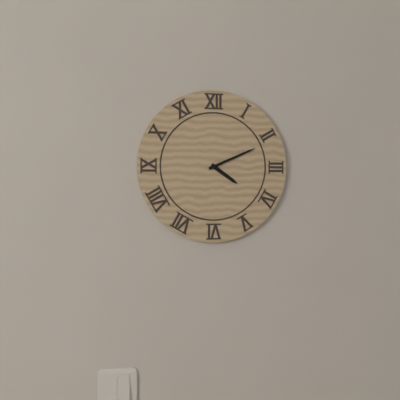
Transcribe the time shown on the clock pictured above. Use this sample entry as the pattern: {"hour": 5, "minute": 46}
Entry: {"hour": 4, "minute": 11}
